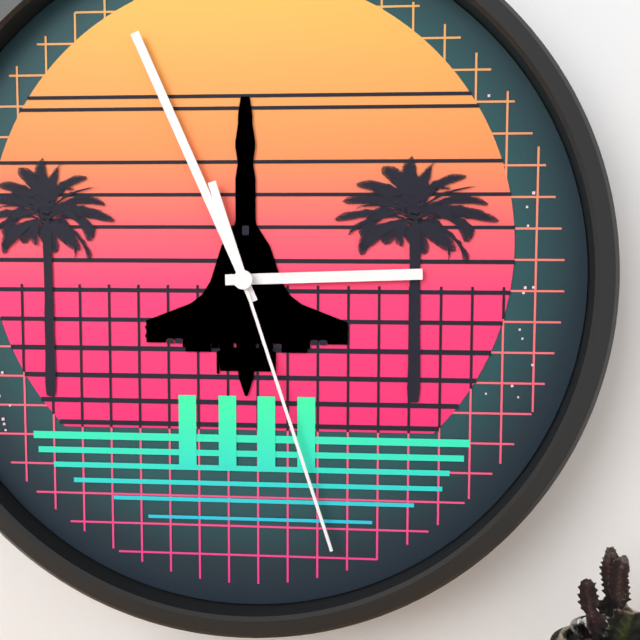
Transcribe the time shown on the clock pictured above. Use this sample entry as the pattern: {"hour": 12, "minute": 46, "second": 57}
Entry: {"hour": 2, "minute": 56, "second": 27}
